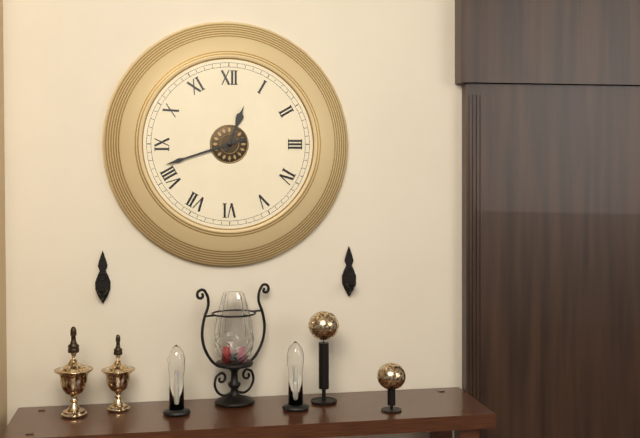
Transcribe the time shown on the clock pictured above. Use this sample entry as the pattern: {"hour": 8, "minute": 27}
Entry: {"hour": 12, "minute": 42}
